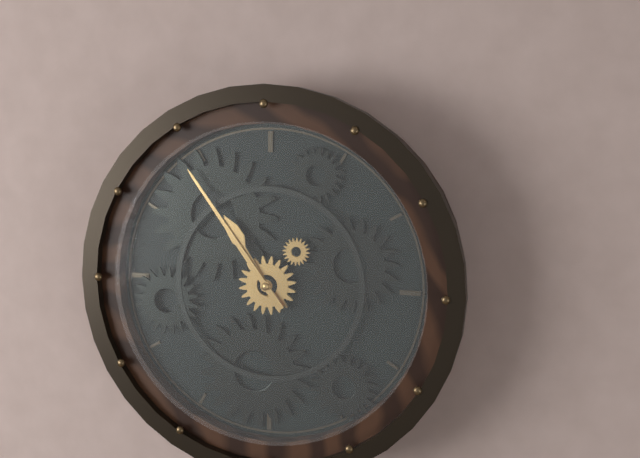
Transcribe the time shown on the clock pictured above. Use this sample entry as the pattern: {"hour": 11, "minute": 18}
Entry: {"hour": 10, "minute": 54}
